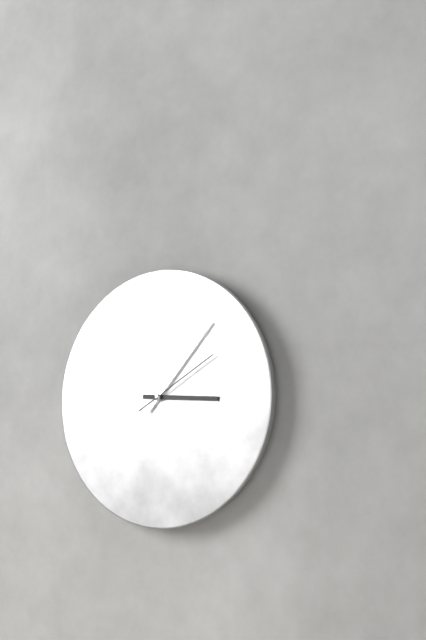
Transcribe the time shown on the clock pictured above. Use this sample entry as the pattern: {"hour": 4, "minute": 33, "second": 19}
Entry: {"hour": 3, "minute": 7, "second": 10}
